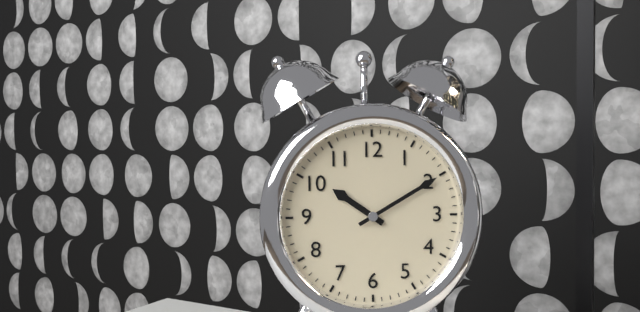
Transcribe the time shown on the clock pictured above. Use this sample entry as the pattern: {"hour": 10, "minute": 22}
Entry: {"hour": 10, "minute": 10}
